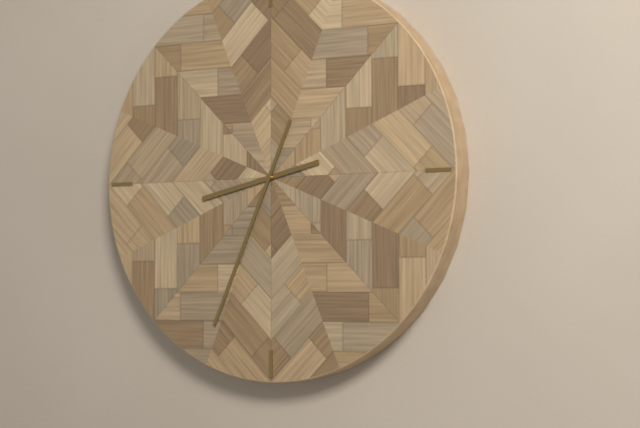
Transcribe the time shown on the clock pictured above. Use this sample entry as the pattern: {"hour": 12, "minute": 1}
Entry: {"hour": 8, "minute": 34}
